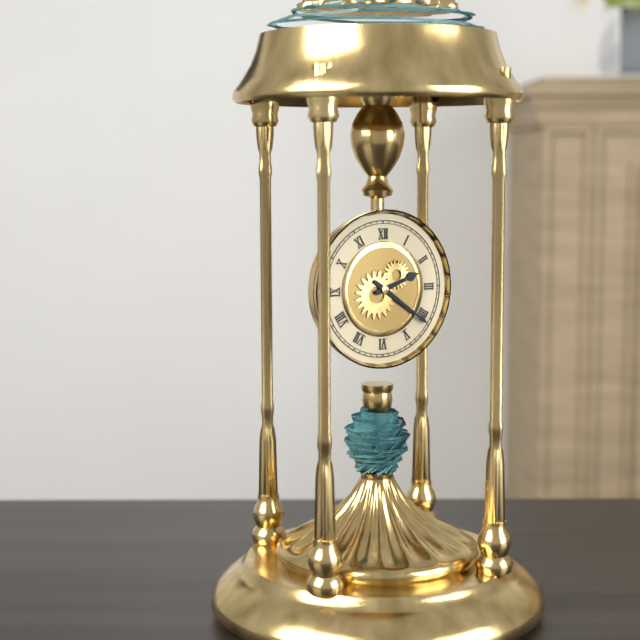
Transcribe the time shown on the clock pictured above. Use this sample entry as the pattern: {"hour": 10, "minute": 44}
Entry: {"hour": 2, "minute": 21}
